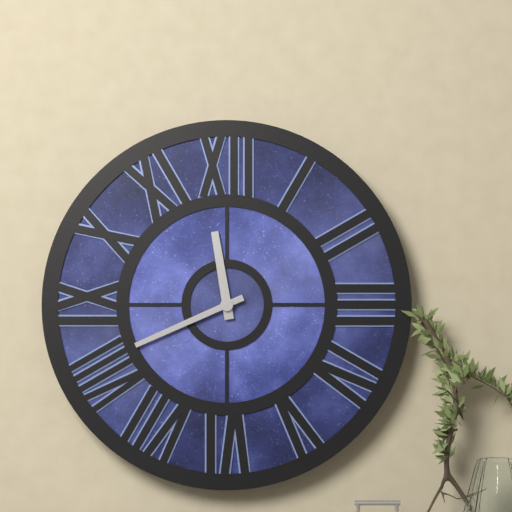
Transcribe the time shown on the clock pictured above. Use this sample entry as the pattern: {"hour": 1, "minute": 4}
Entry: {"hour": 11, "minute": 41}
